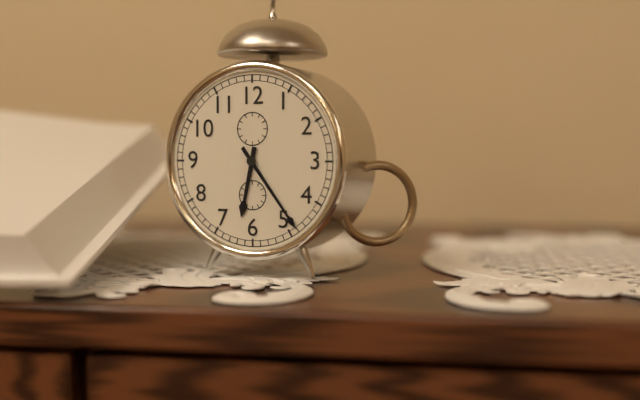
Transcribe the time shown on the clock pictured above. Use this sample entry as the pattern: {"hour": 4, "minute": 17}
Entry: {"hour": 6, "minute": 24}
